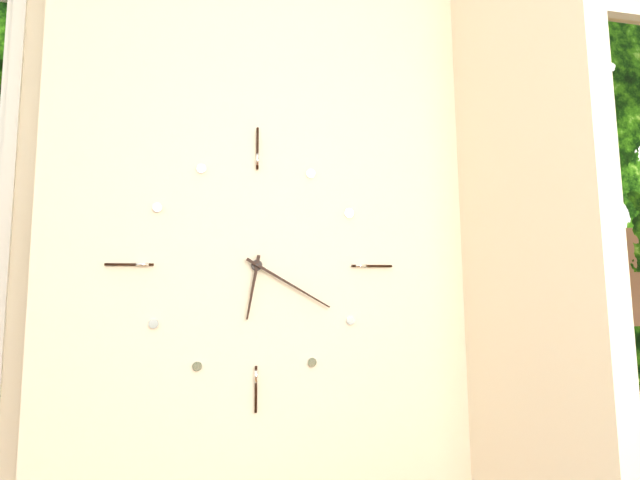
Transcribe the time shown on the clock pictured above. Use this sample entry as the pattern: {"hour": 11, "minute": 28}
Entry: {"hour": 6, "minute": 20}
